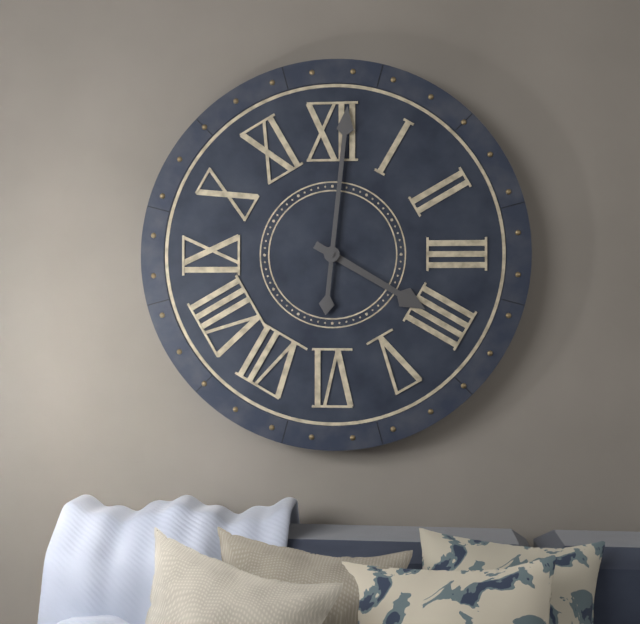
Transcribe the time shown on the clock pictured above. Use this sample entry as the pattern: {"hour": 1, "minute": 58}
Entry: {"hour": 4, "minute": 1}
